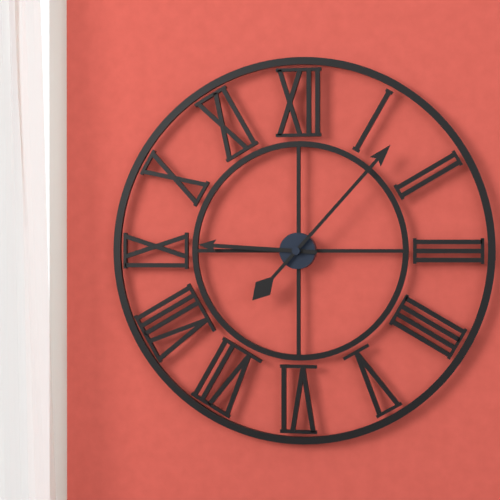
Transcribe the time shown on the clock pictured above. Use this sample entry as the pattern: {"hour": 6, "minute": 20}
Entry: {"hour": 9, "minute": 7}
